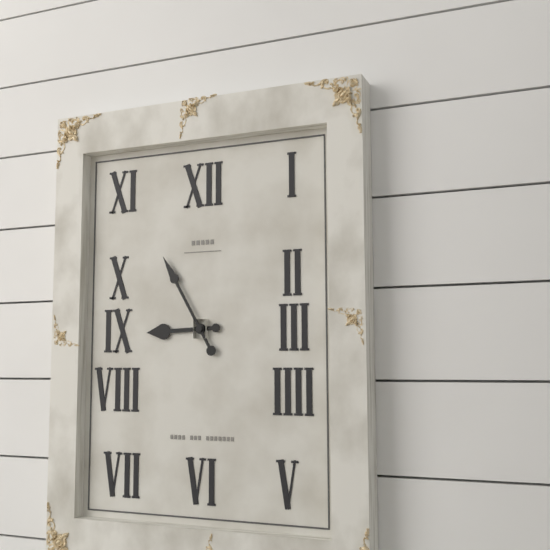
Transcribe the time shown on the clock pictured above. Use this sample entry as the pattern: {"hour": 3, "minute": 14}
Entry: {"hour": 8, "minute": 55}
